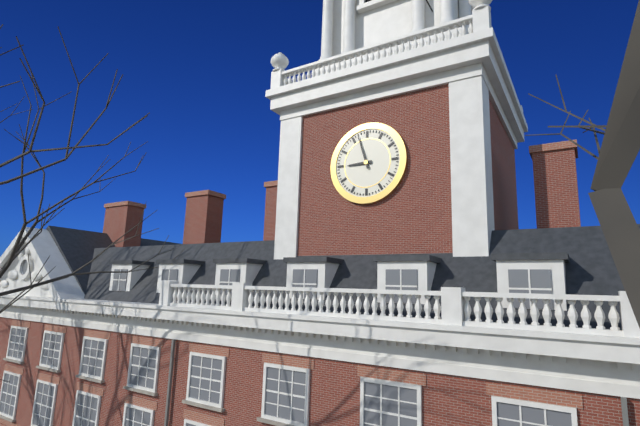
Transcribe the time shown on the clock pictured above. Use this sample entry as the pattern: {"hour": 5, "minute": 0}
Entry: {"hour": 8, "minute": 57}
